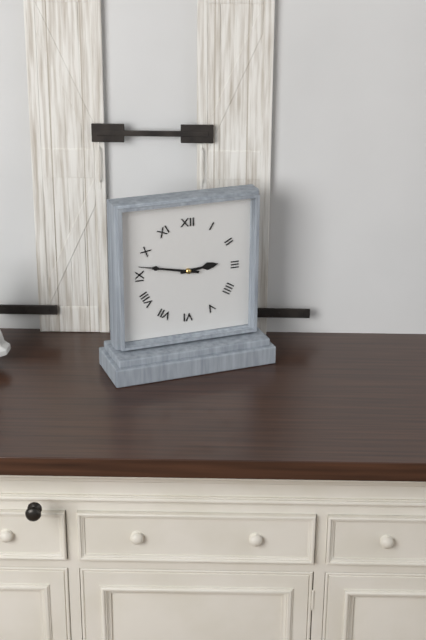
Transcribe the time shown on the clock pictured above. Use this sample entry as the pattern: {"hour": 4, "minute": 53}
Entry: {"hour": 2, "minute": 47}
